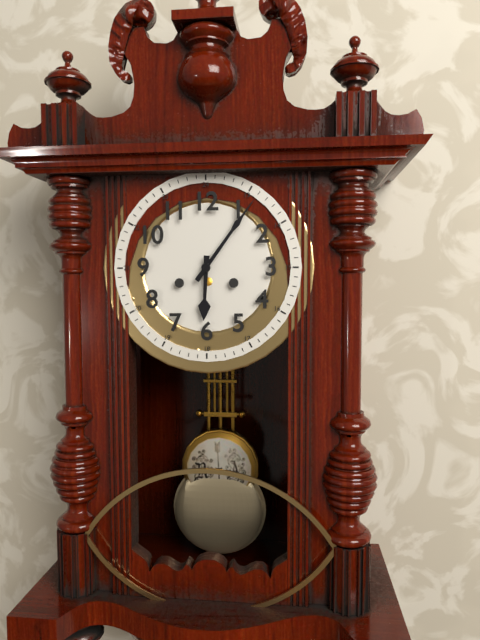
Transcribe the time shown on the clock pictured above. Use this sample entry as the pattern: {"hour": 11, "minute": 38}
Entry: {"hour": 6, "minute": 6}
